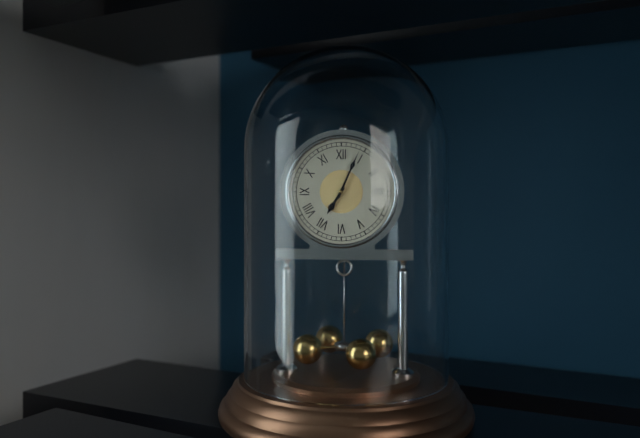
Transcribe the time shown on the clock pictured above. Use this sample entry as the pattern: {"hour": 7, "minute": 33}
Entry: {"hour": 7, "minute": 4}
